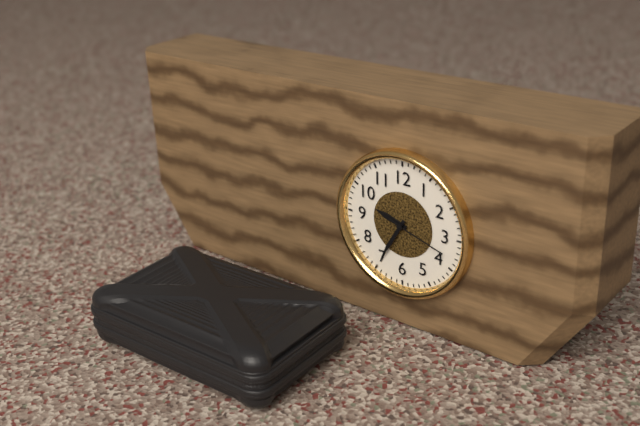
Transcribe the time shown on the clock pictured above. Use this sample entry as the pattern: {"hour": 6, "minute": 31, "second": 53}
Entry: {"hour": 9, "minute": 35, "second": 18}
